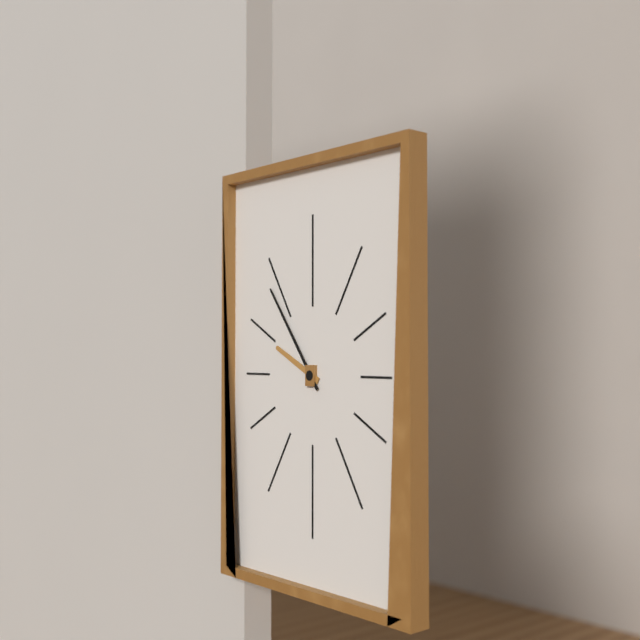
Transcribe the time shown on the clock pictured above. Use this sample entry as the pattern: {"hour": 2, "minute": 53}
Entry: {"hour": 9, "minute": 54}
